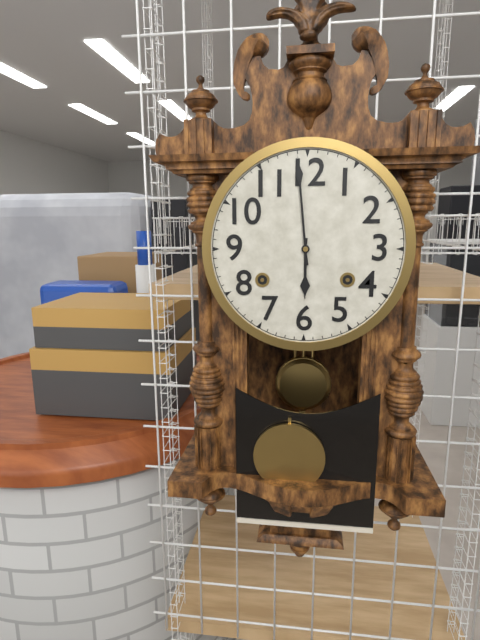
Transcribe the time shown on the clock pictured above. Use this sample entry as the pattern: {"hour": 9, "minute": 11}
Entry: {"hour": 5, "minute": 59}
